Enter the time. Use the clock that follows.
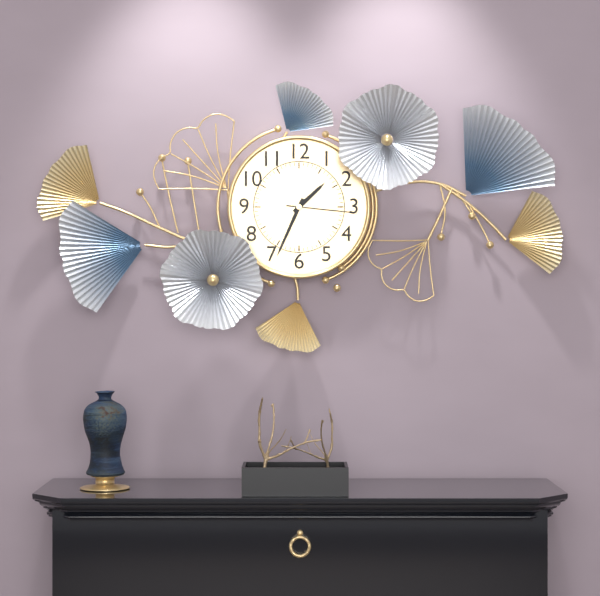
1:34:16
